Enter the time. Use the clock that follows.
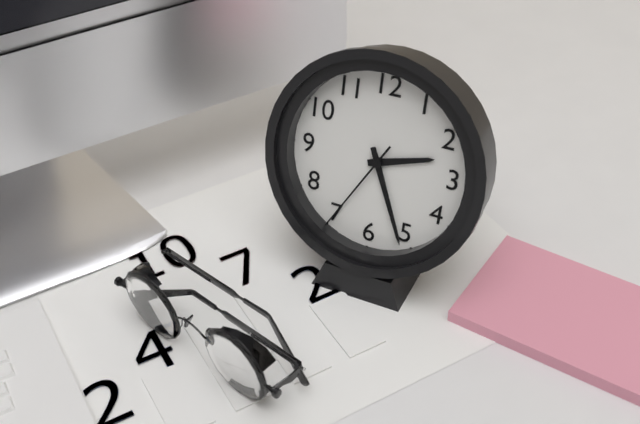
2:26:35
